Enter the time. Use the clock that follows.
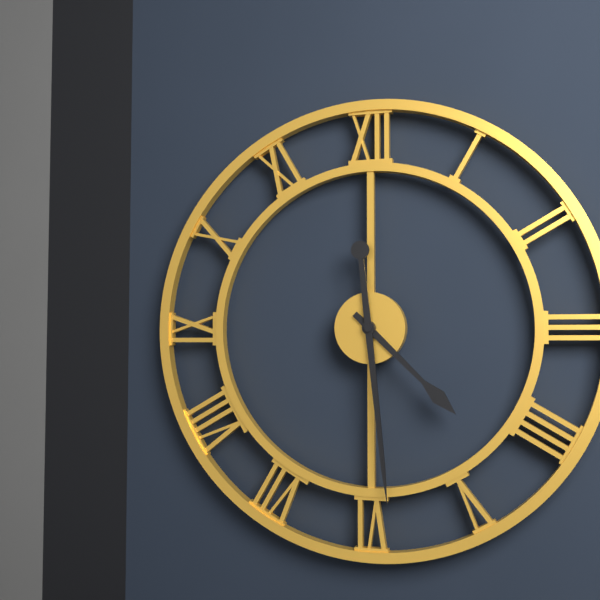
4:29
